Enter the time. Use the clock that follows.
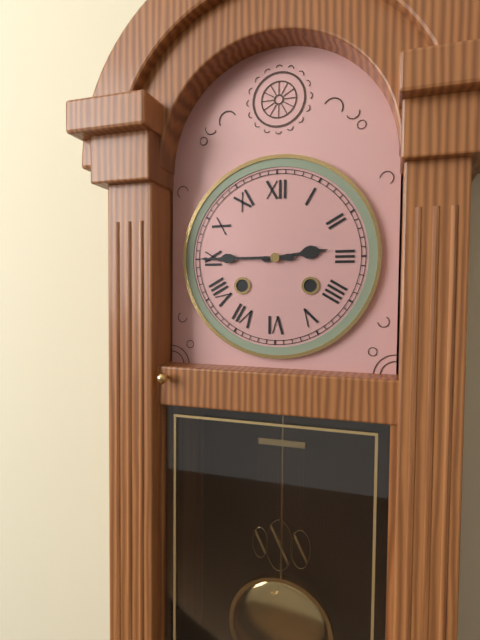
2:45
